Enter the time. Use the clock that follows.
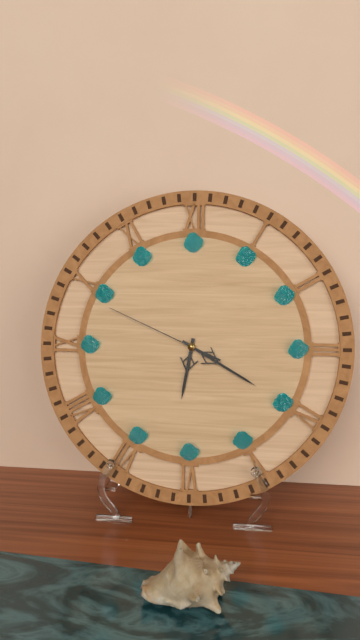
6:20:49
